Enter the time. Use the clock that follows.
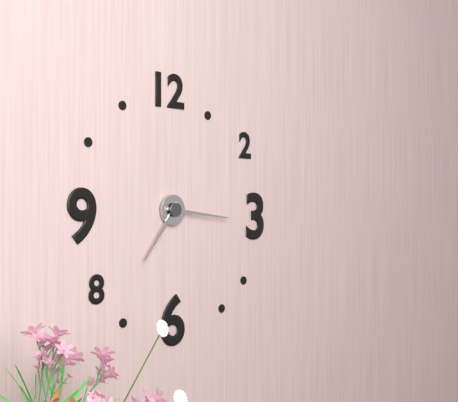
7:16
